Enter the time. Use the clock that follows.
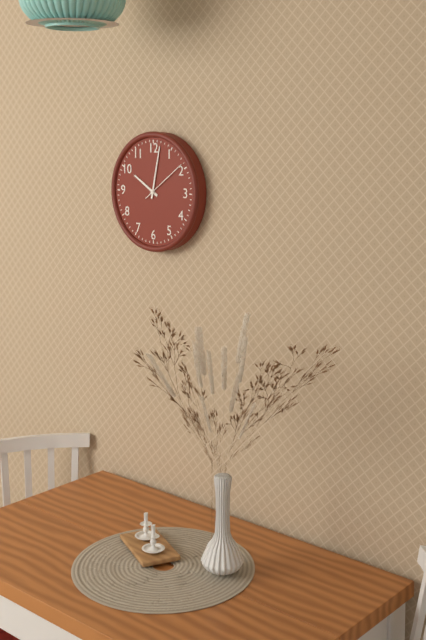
10:02
